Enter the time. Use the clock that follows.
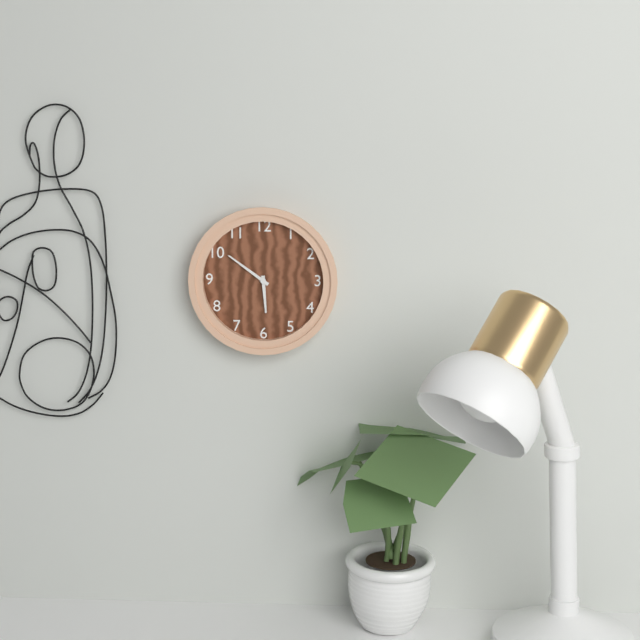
5:51
